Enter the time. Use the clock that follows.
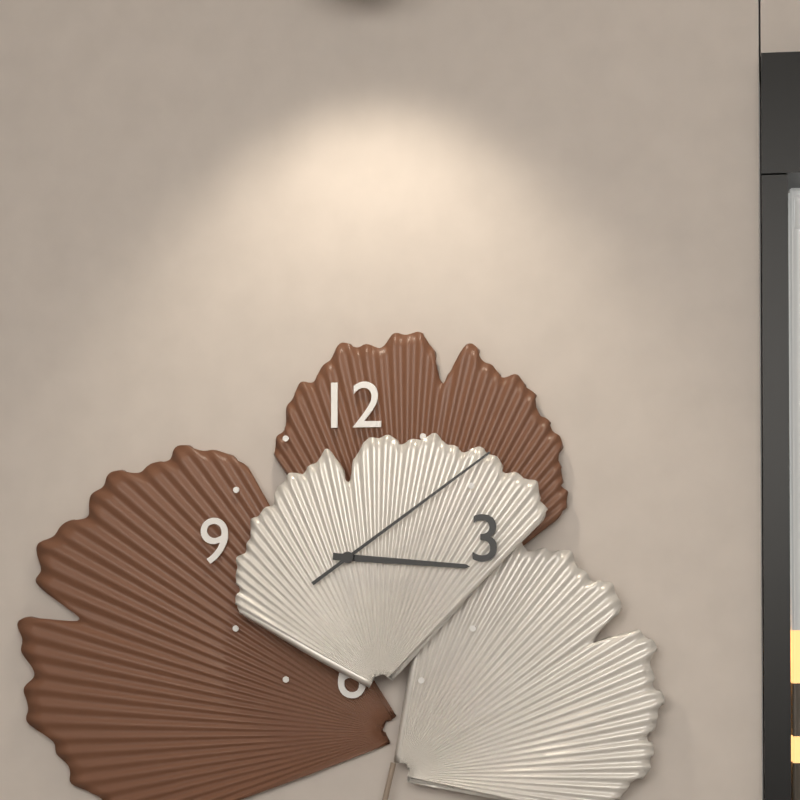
3:09
